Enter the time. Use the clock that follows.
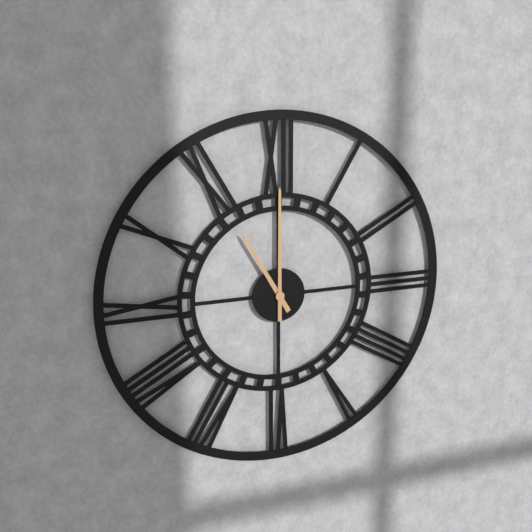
11:00
